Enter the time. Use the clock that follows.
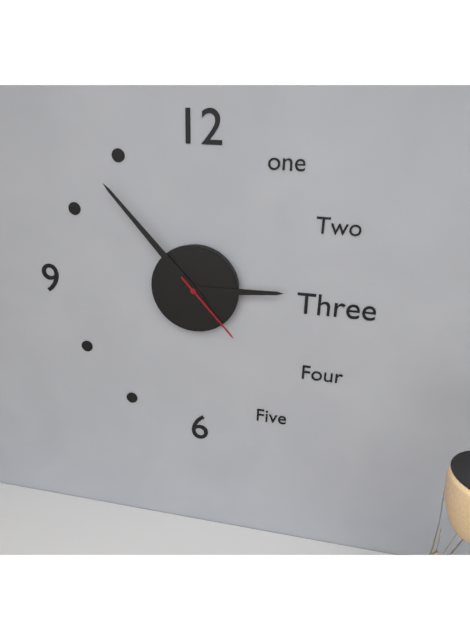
2:53:23
